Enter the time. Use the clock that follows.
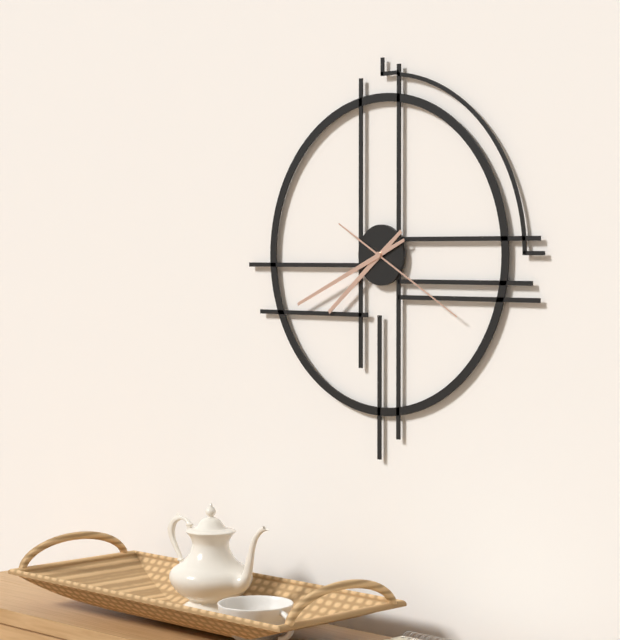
7:41:20
